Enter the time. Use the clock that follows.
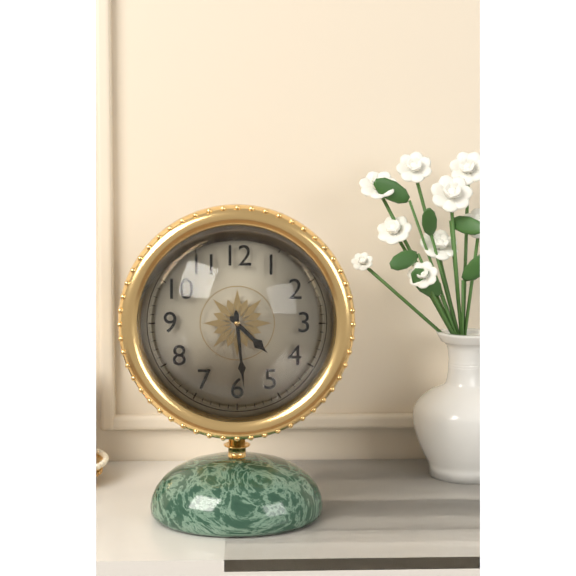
4:29
